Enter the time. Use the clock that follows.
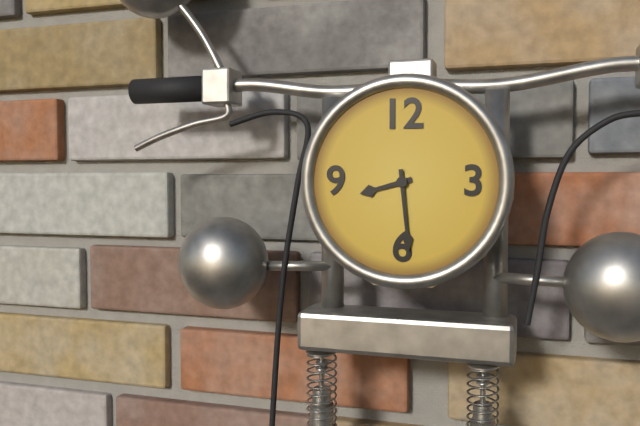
8:29
